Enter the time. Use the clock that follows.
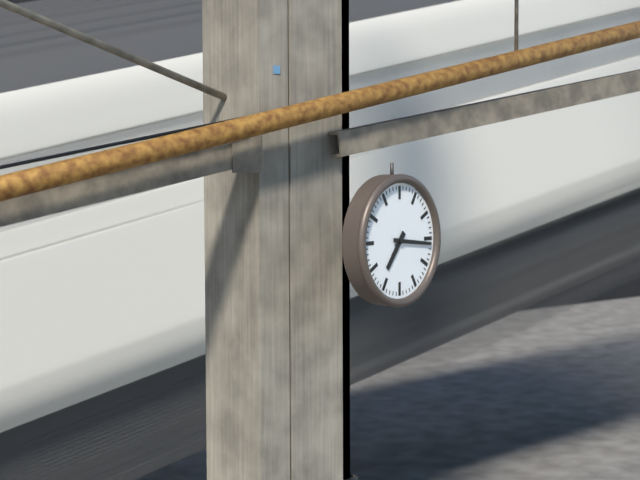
7:16
